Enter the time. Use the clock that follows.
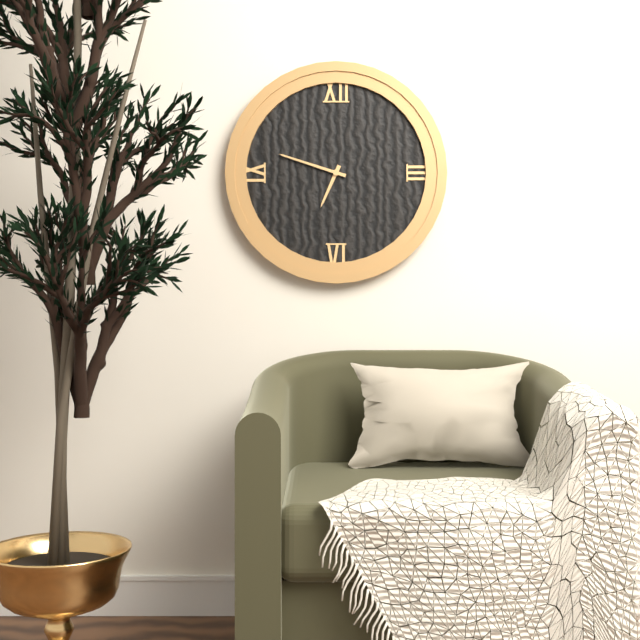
6:48
